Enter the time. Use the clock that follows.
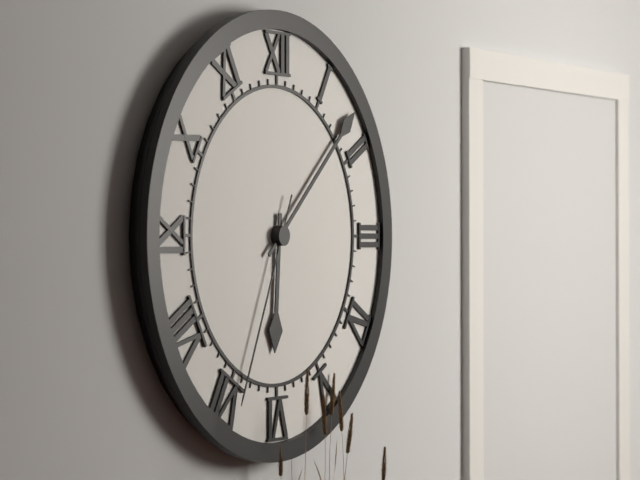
6:08:34
